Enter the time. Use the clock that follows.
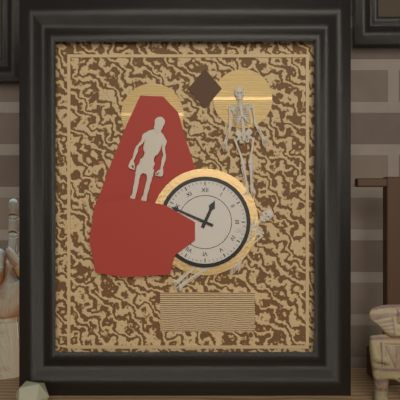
12:49
